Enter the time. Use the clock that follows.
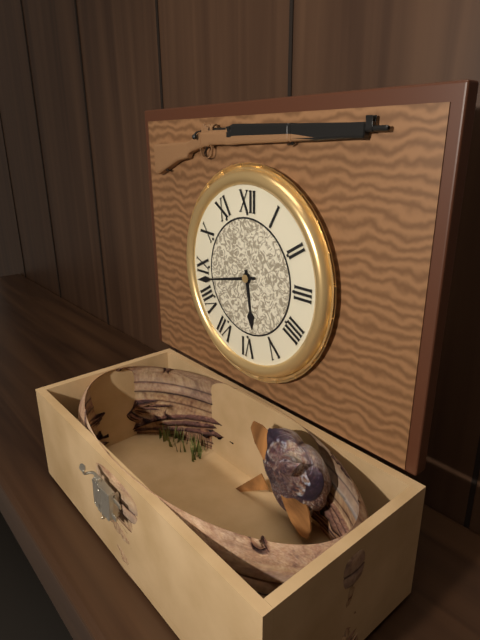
5:43
